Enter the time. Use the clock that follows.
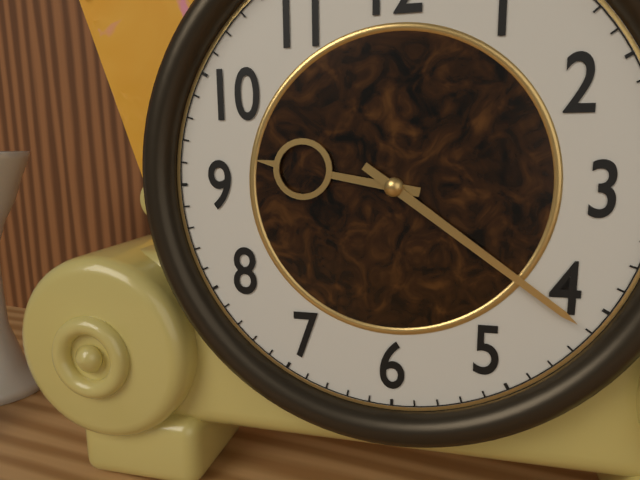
9:21
